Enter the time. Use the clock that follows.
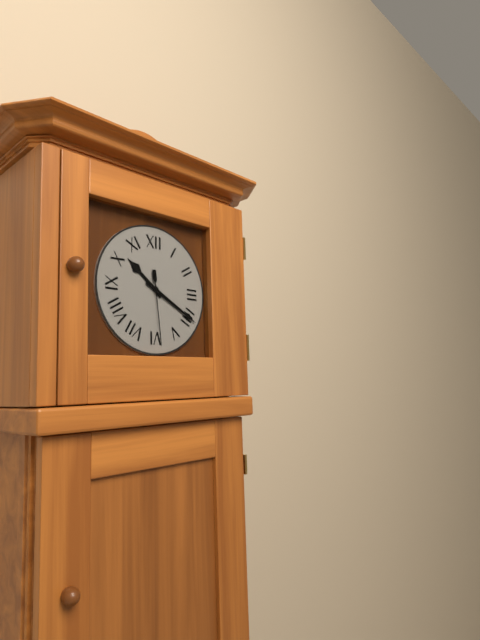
10:20:29
